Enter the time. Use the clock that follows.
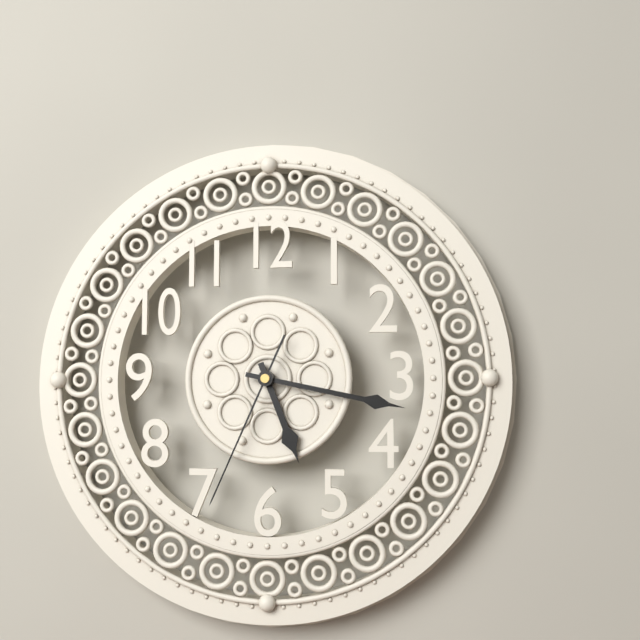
5:17:34
